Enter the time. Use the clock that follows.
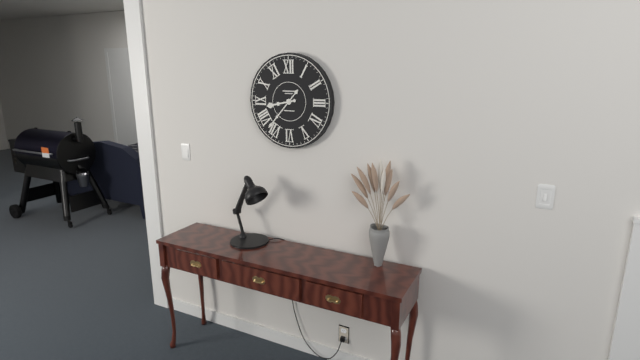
8:37
